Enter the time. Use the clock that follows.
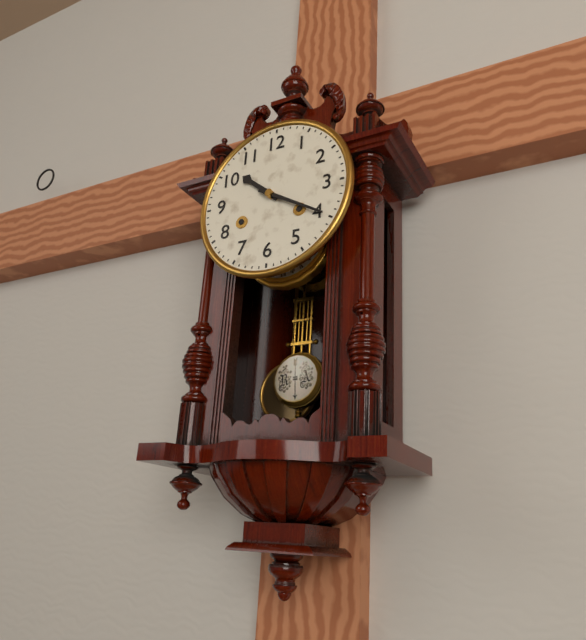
10:20
